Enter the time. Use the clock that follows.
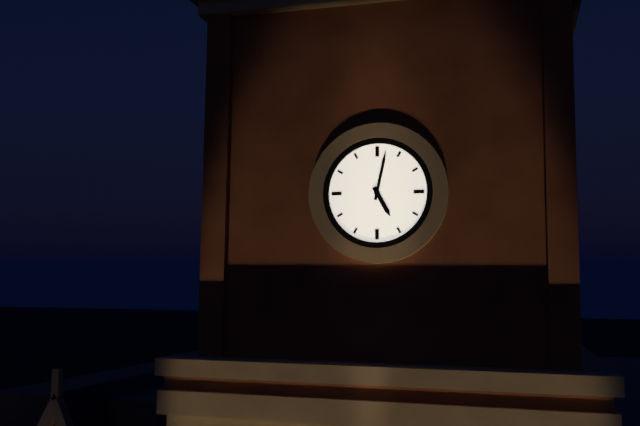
5:02
